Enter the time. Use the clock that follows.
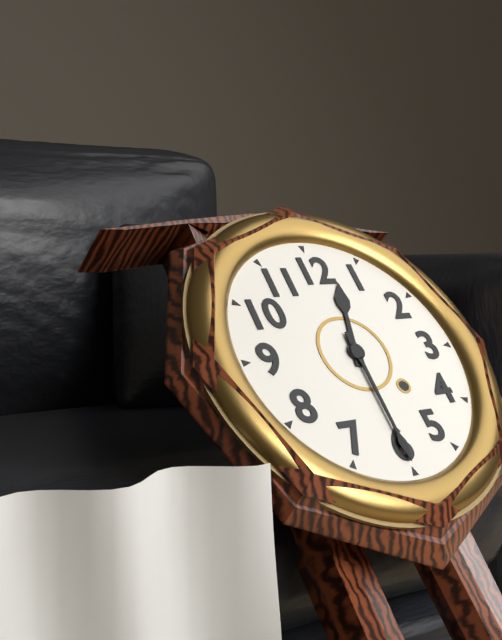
12:30
